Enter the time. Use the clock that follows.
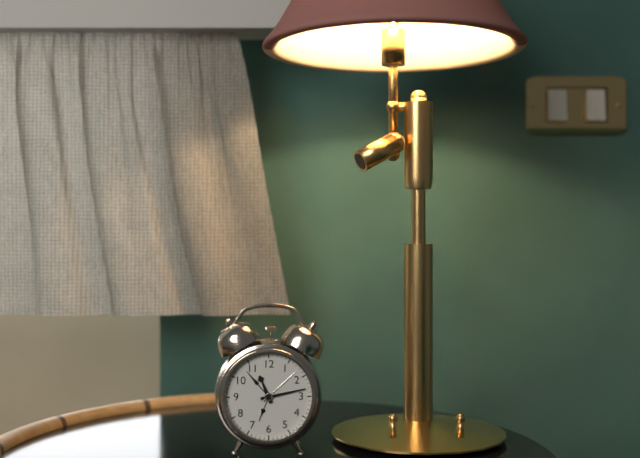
11:13
